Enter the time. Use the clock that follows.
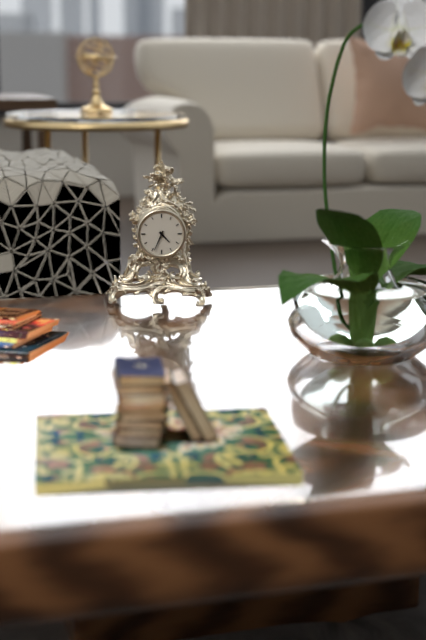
4:34
